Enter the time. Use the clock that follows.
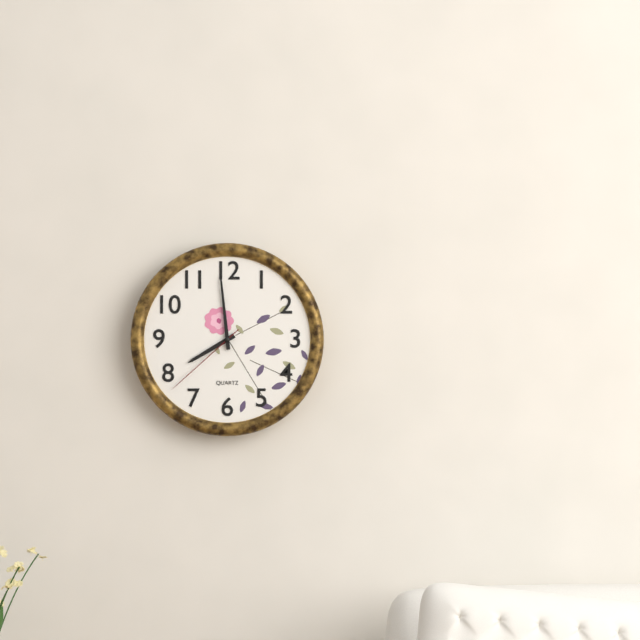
7:59:38
